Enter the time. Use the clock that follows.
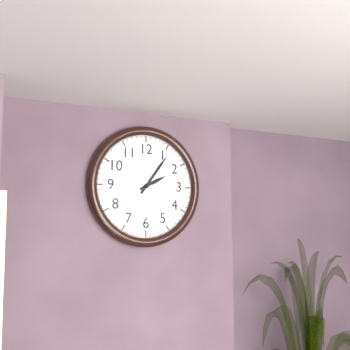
2:06
